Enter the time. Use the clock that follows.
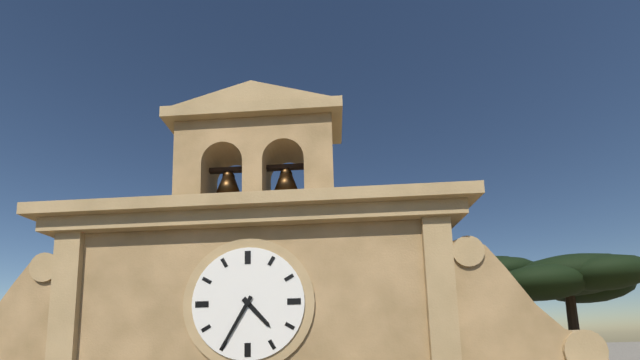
4:35
